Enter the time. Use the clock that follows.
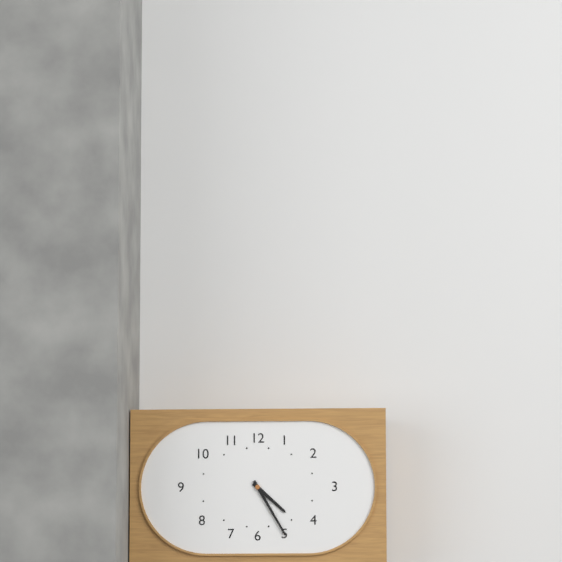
4:25
